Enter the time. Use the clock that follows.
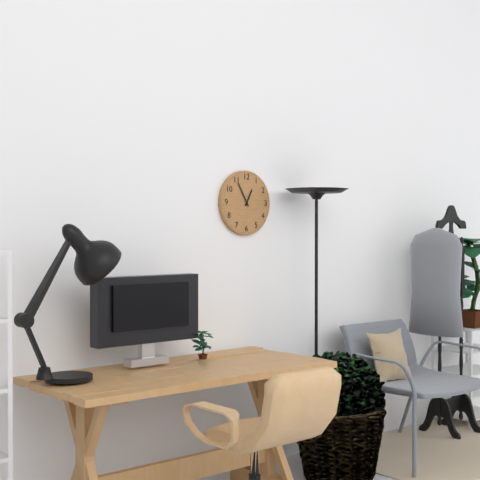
12:55
